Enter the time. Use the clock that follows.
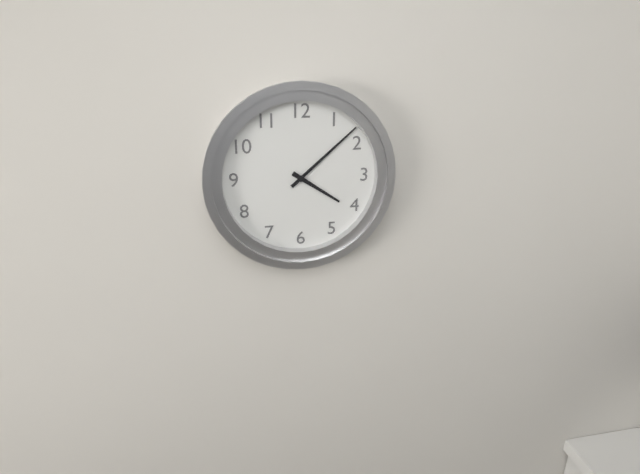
4:08
